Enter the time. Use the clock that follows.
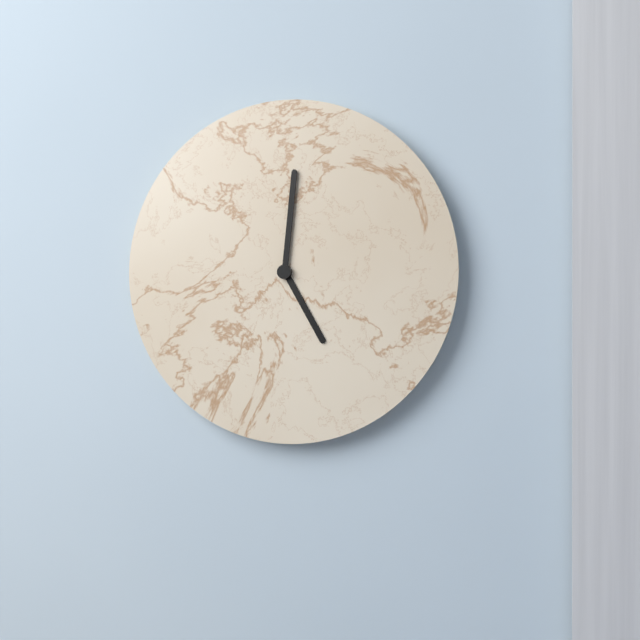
5:01
